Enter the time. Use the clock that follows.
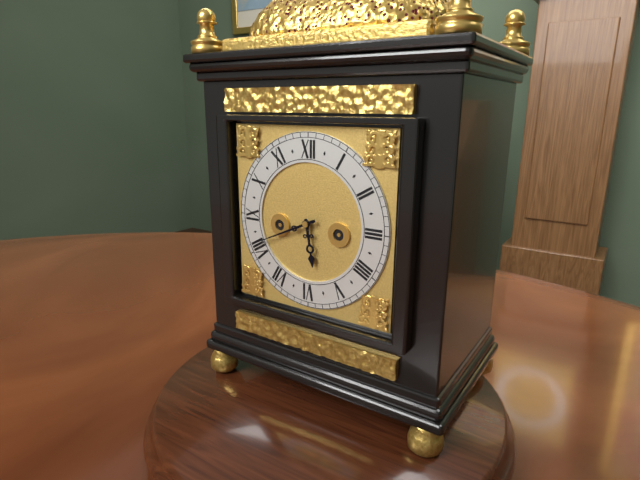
5:41
